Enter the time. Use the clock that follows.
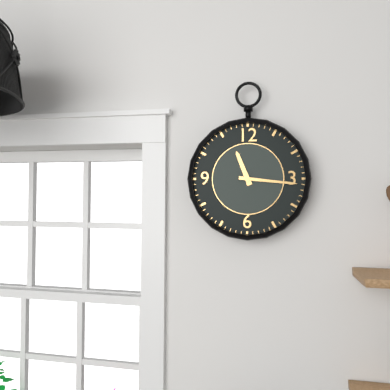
11:16
